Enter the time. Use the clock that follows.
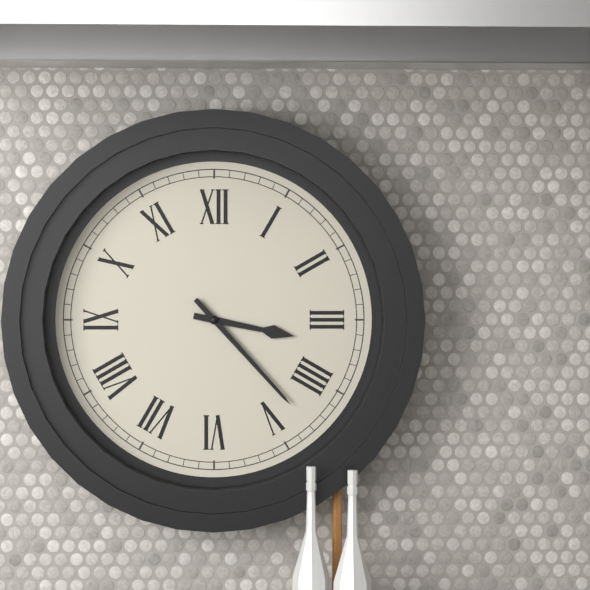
3:23
